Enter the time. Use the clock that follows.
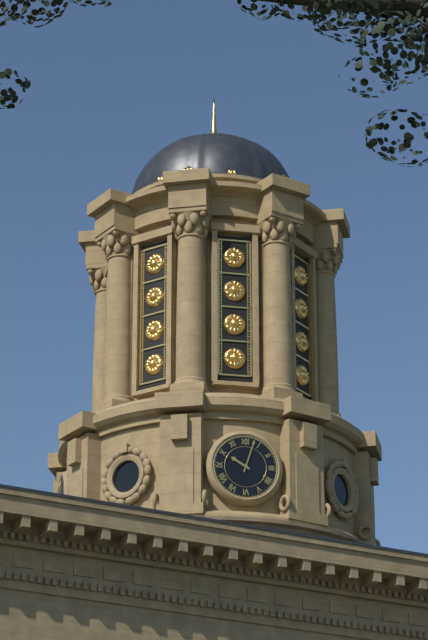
10:03
